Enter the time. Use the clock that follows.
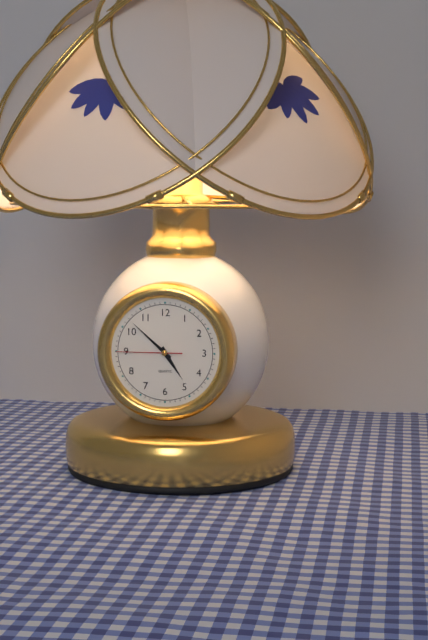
4:52:45
